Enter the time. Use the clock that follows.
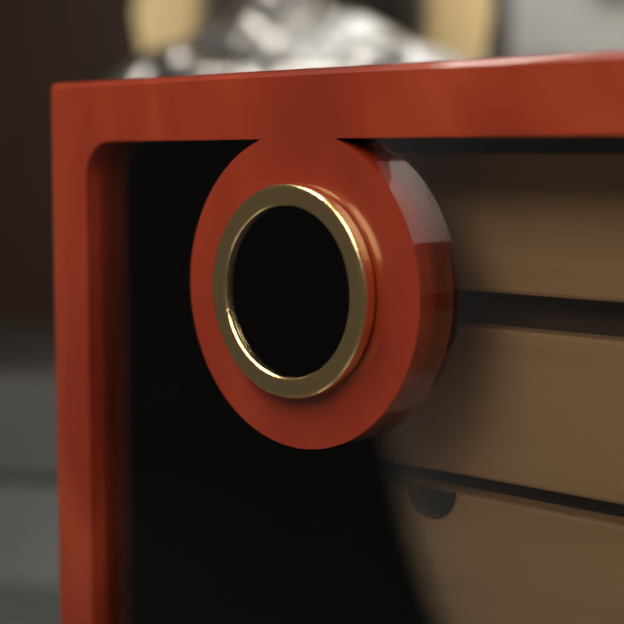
7:31
